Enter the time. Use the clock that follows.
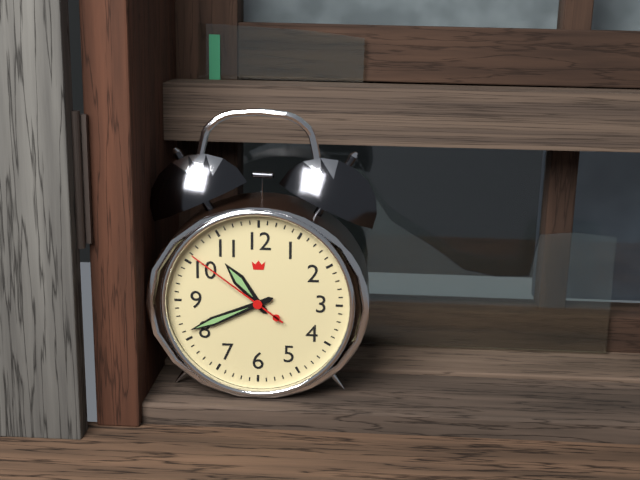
10:41:51
